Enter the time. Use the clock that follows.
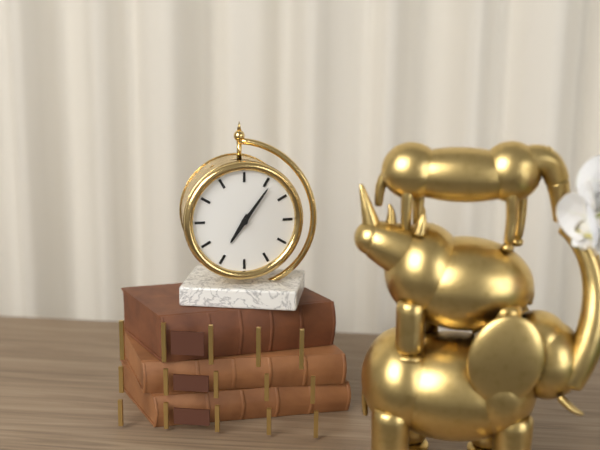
7:06
